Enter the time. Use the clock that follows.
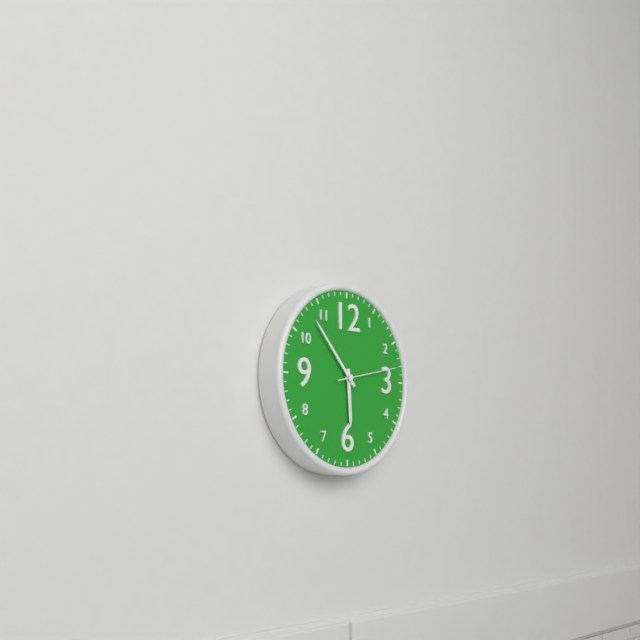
5:53:13
